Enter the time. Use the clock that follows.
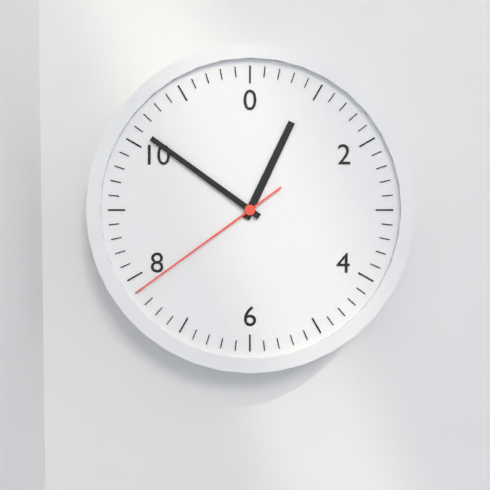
12:51:39
